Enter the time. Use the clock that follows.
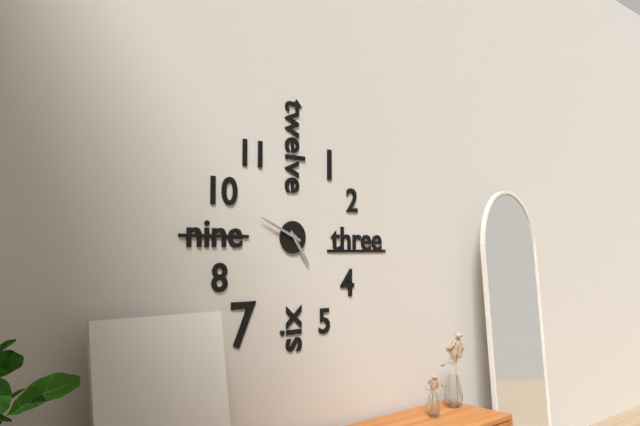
4:49
